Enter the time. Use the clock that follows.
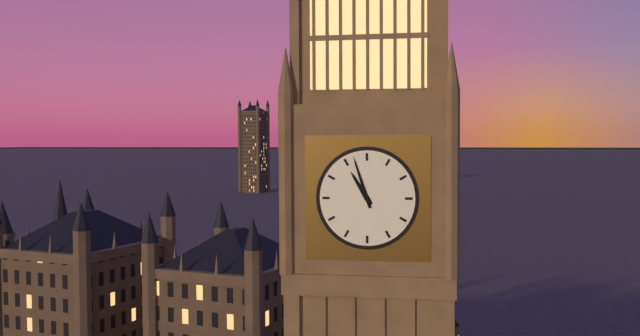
10:57
